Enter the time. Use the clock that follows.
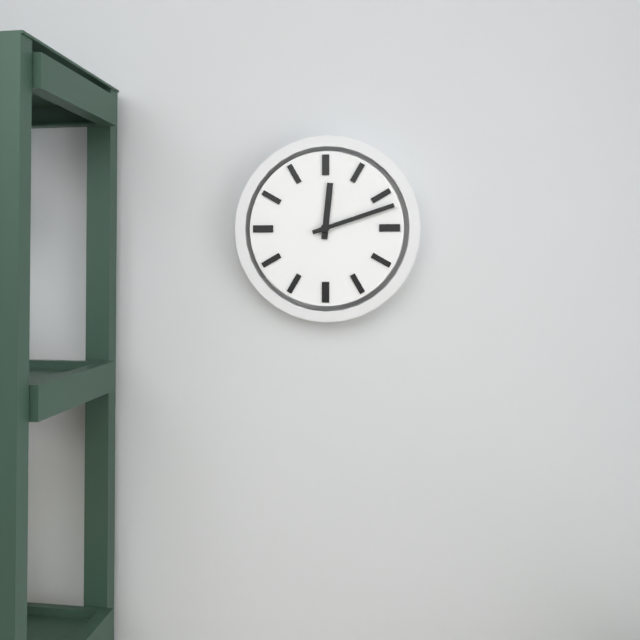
12:12
